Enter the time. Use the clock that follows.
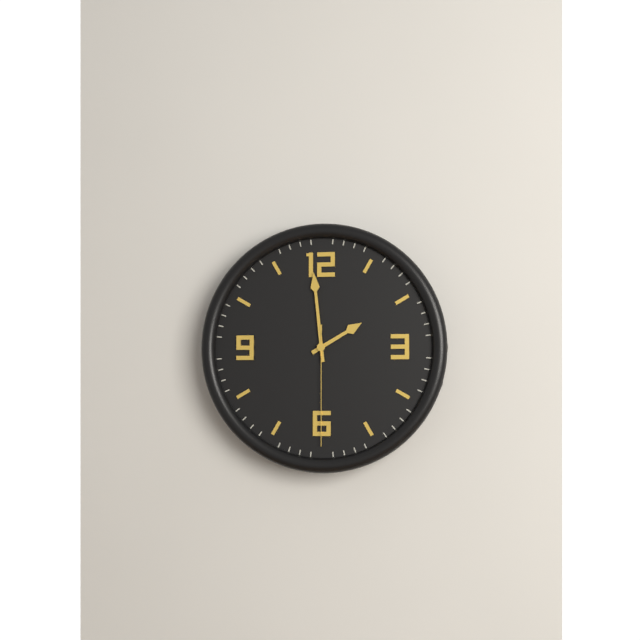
1:59:30
